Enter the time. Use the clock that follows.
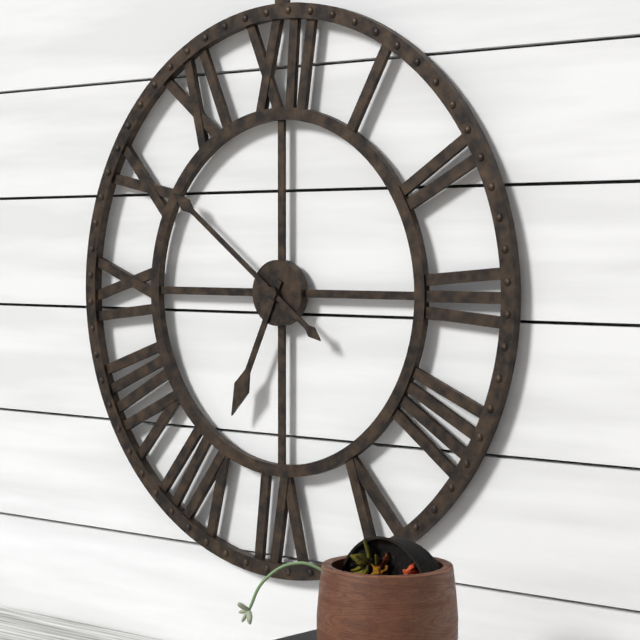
6:51
